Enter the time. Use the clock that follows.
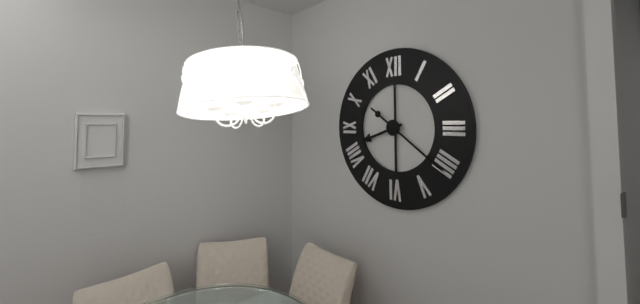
8:21
